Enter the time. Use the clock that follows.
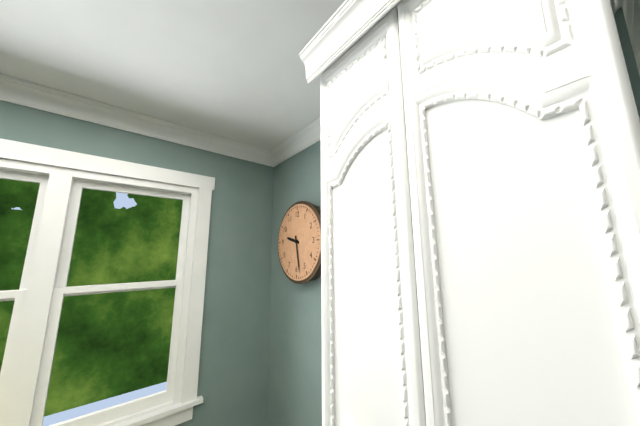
9:28
